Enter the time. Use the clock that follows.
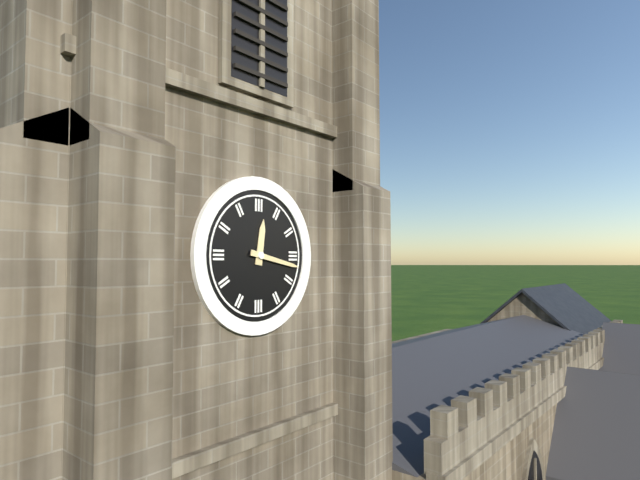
12:17
